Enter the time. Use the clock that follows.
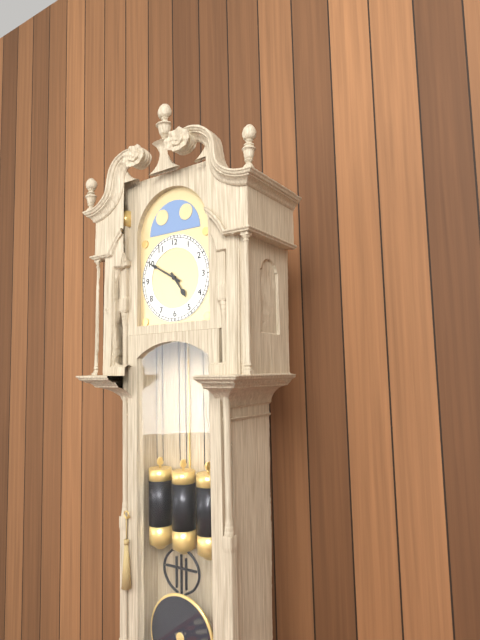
4:50
